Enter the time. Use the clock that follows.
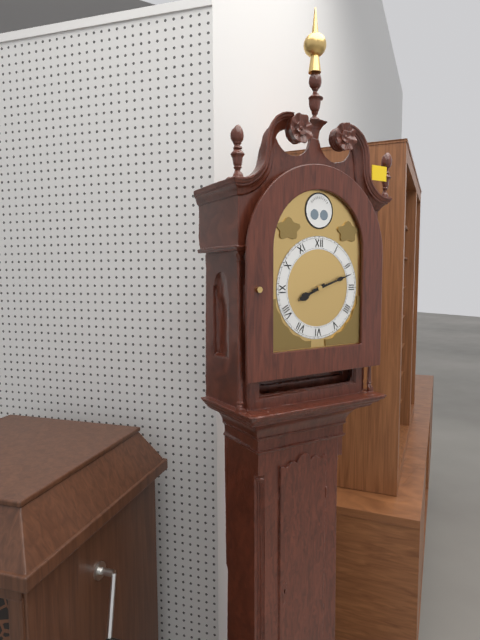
8:12
